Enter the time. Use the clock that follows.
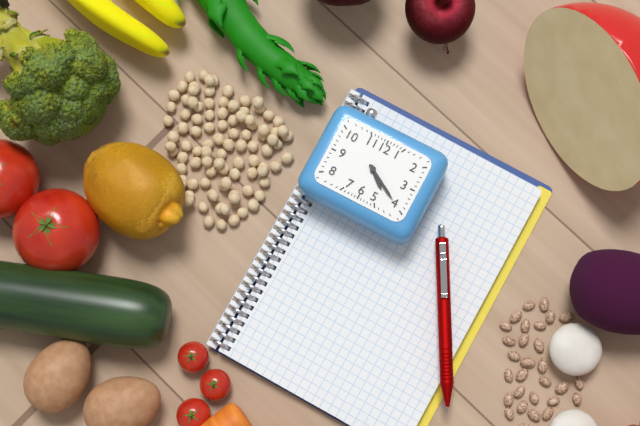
4:20
